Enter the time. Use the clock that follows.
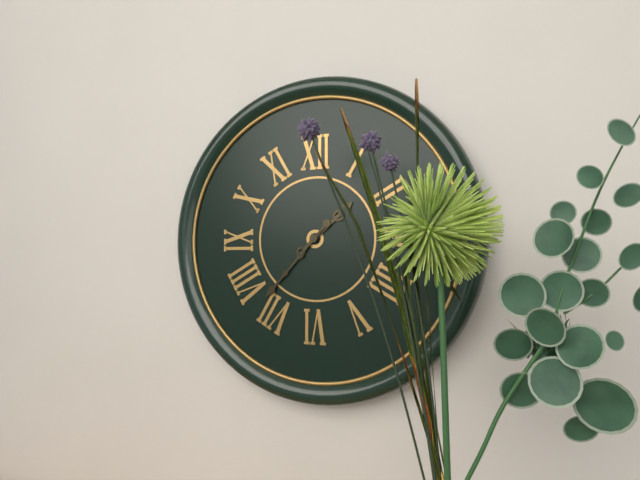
1:37
